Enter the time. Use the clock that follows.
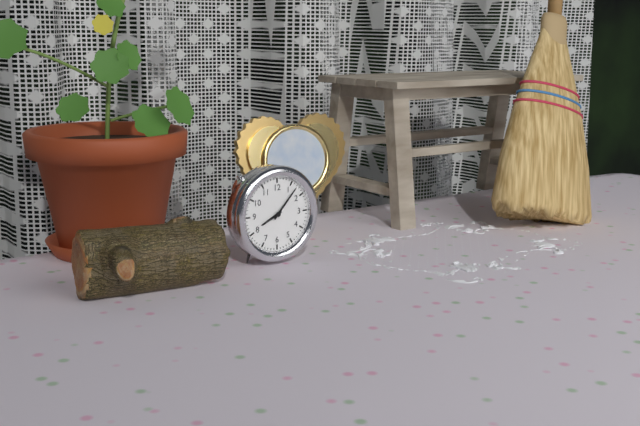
8:07
